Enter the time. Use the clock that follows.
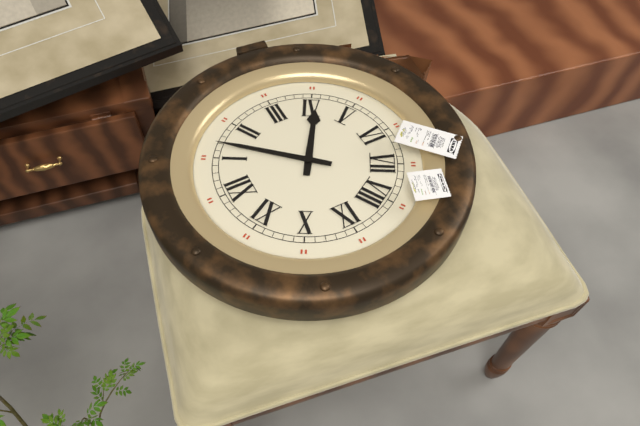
4:07
